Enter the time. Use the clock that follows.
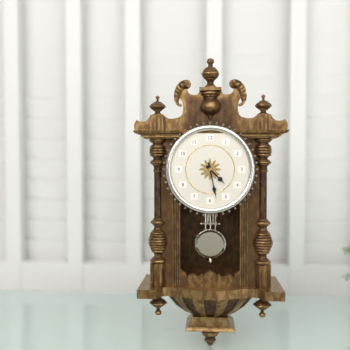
4:28
